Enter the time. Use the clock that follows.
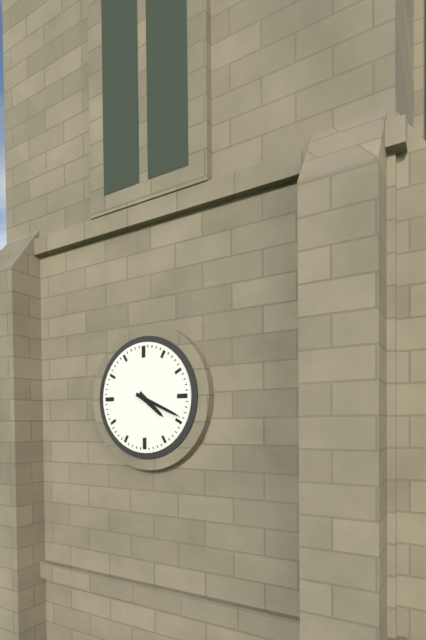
4:19
